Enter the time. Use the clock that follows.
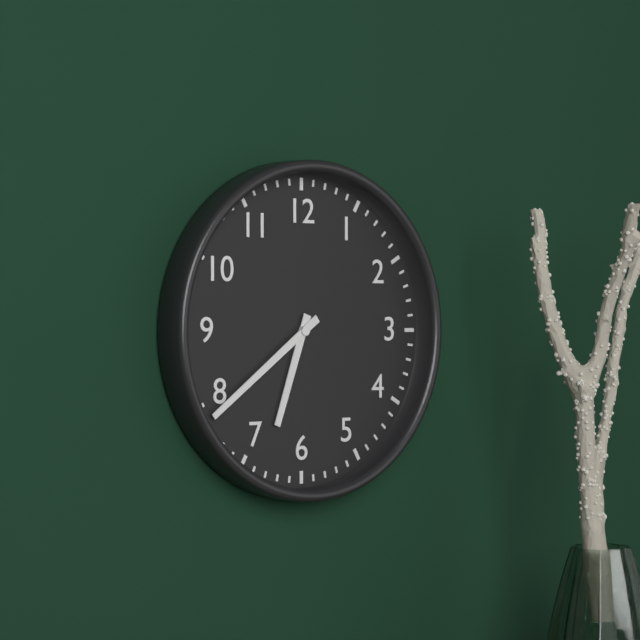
6:39
